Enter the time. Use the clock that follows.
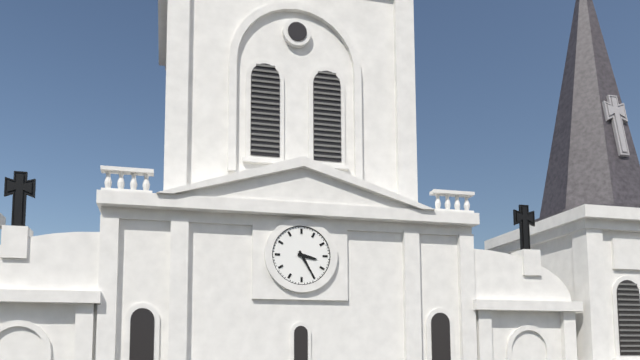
3:25
